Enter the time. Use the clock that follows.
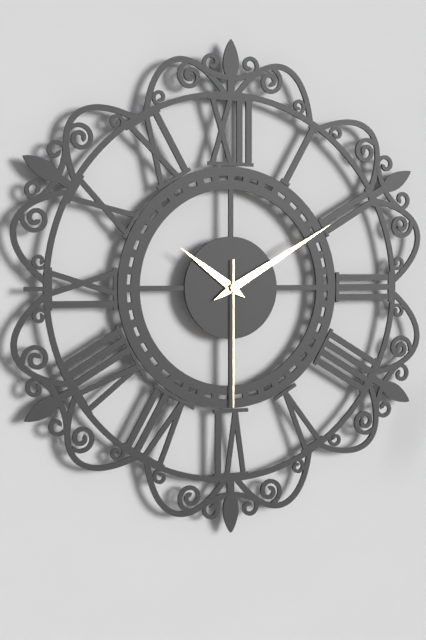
10:10:30
